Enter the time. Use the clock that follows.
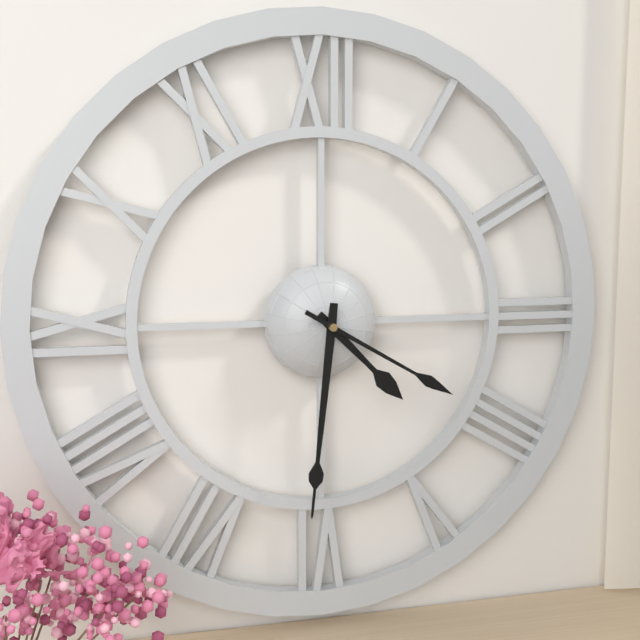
4:31:20
